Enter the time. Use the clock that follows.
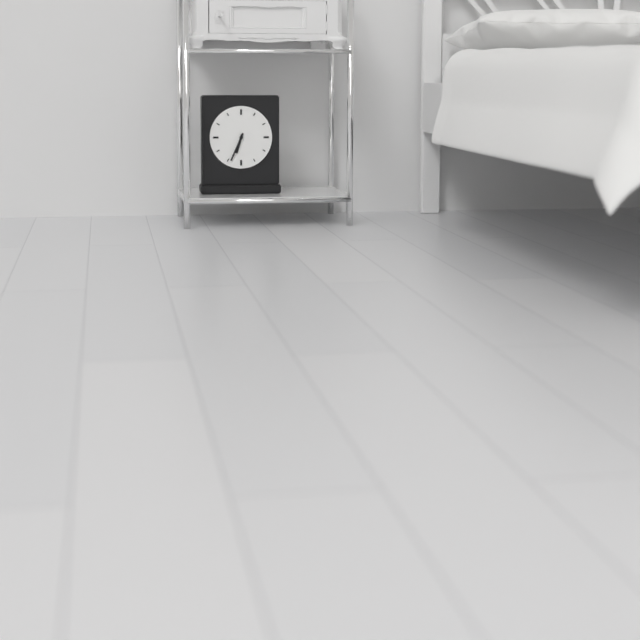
6:34
